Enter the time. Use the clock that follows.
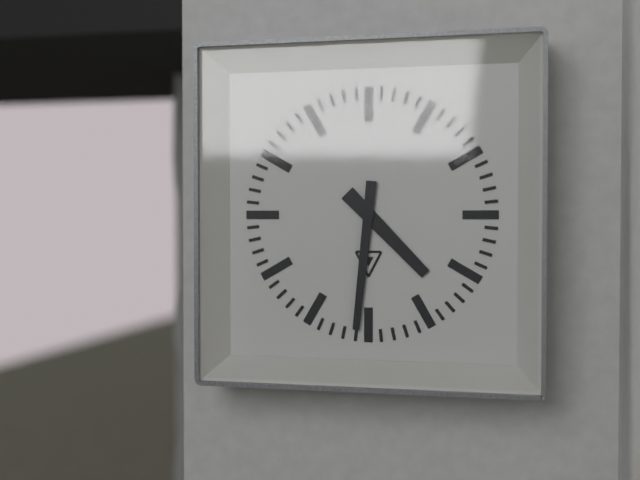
4:31
